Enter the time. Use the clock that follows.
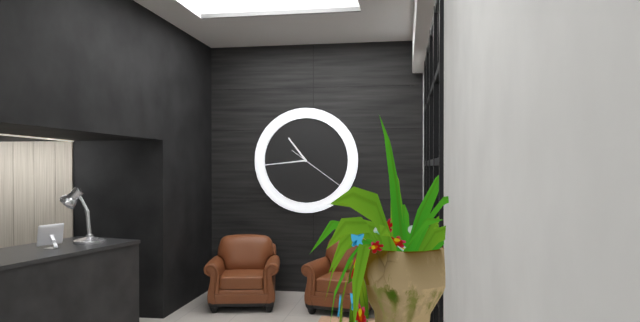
10:44:21
